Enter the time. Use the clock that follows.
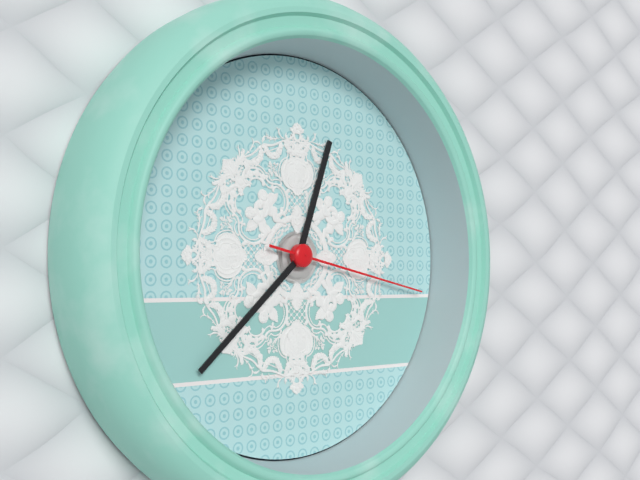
12:38:17
